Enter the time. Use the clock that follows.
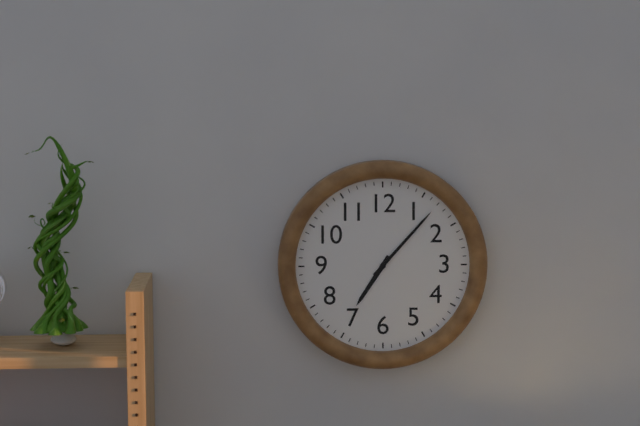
7:07
